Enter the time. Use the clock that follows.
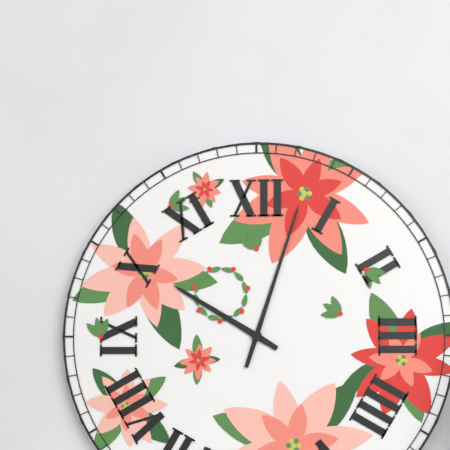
10:03
